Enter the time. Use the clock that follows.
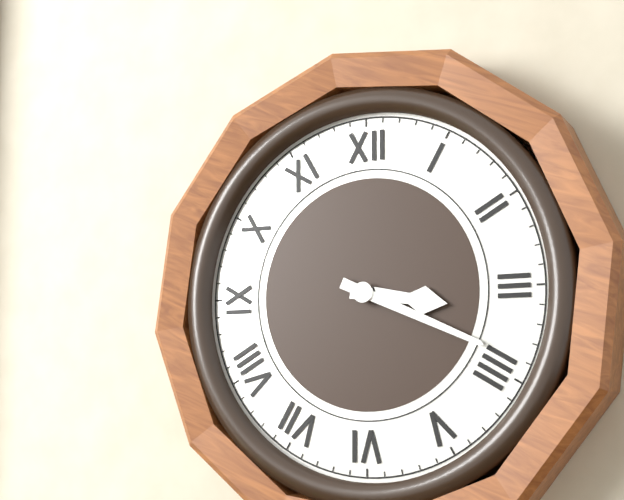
3:19
